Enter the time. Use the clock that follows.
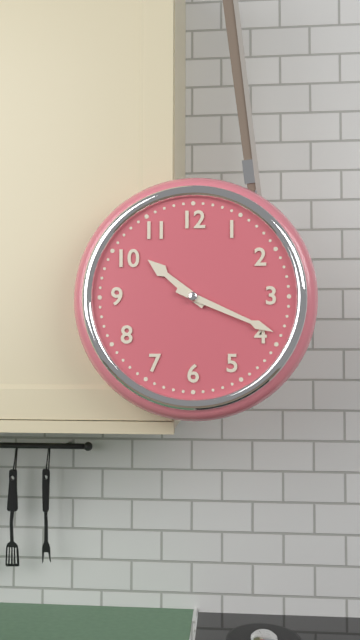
10:19
